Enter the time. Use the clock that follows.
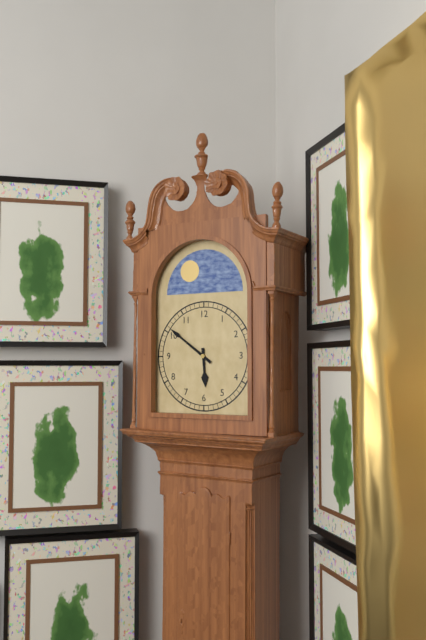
5:51
